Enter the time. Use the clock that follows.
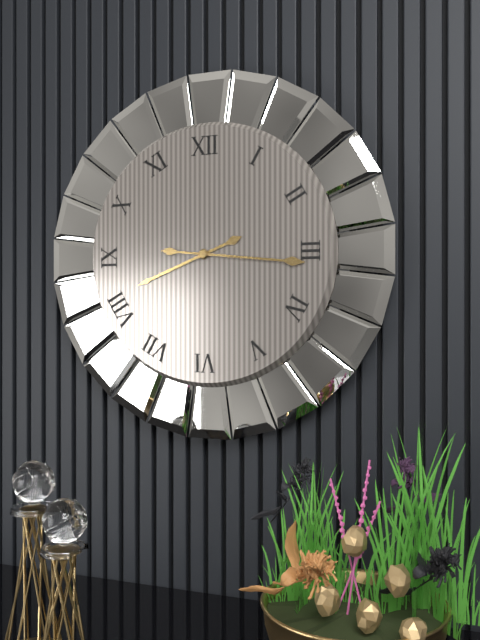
8:16
